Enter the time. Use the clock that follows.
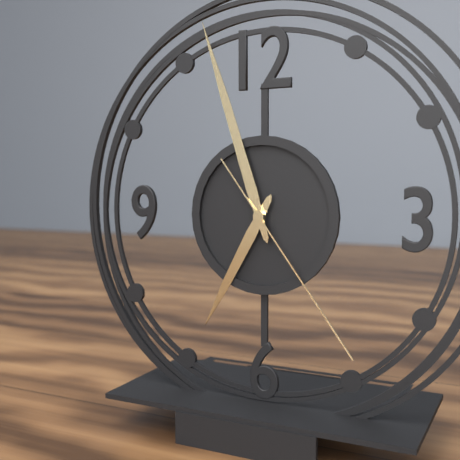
6:57:24
